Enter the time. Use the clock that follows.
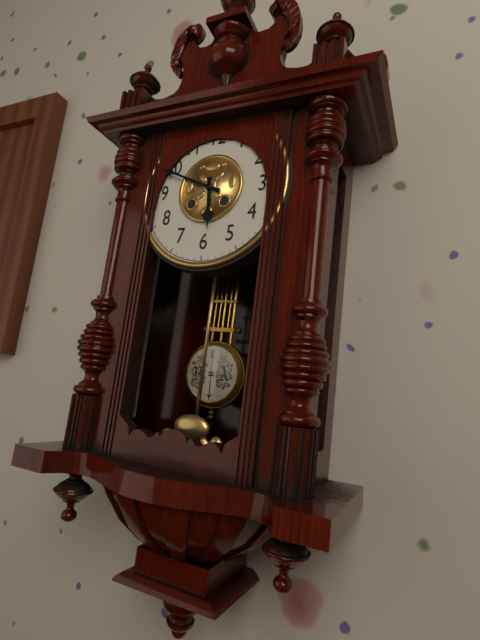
5:49
